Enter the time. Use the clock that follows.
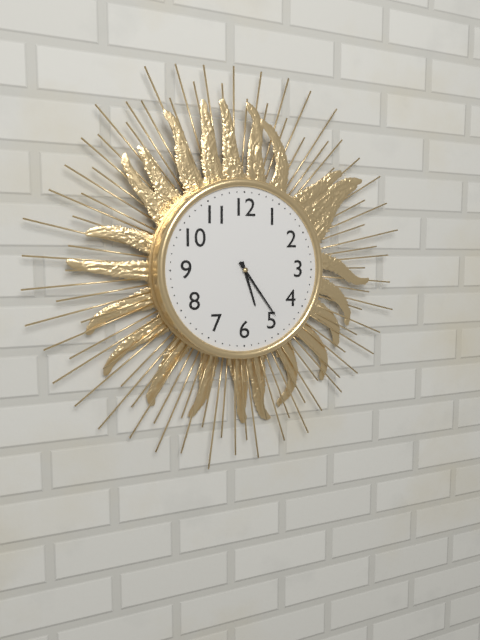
5:24
